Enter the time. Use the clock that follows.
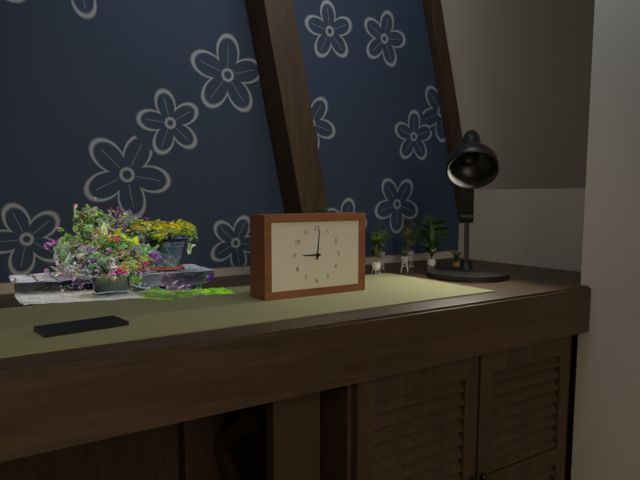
9:01
